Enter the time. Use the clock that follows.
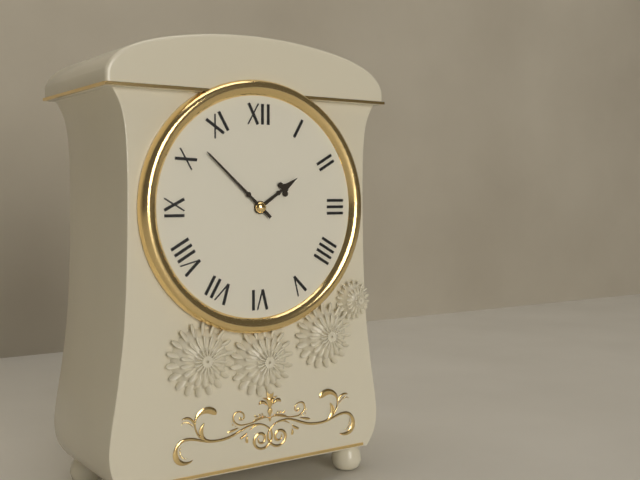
1:52
